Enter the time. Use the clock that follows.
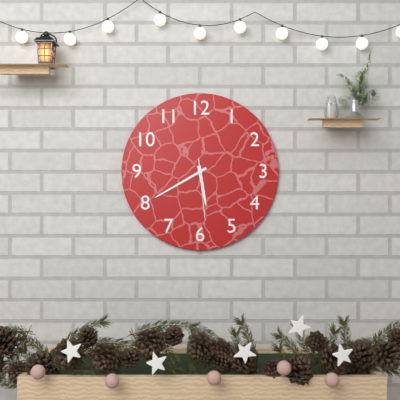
5:40:29
